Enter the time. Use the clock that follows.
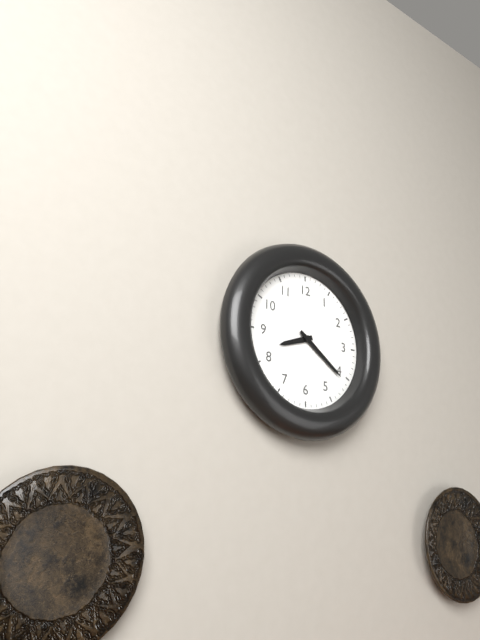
8:21
